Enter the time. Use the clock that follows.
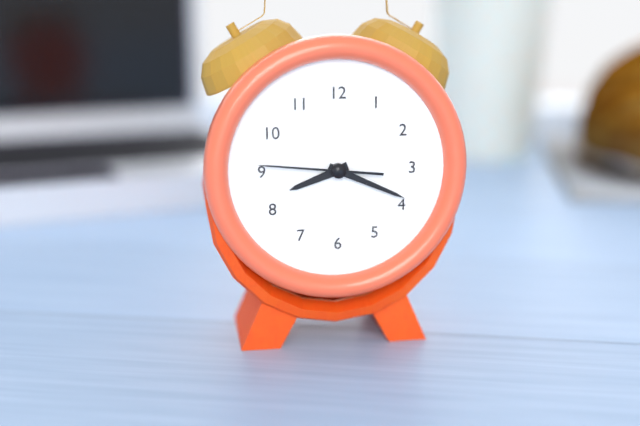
8:19:46
